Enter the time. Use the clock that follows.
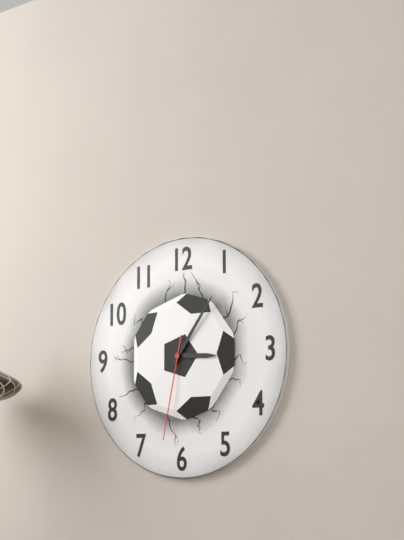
3:06:32
